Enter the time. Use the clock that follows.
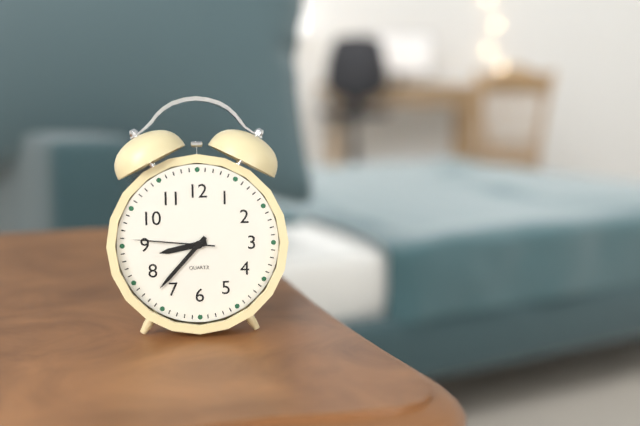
8:37:46
